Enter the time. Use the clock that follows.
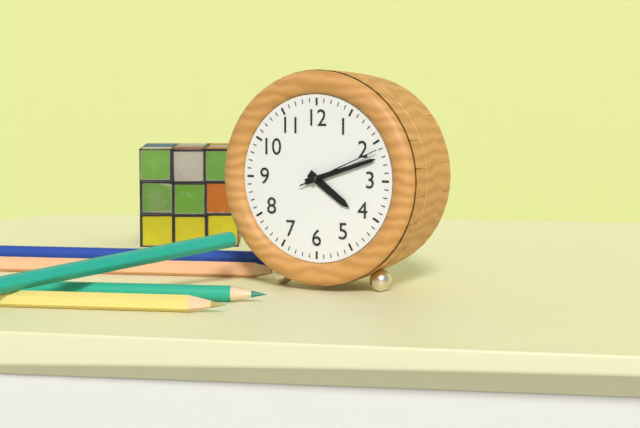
4:12:11
